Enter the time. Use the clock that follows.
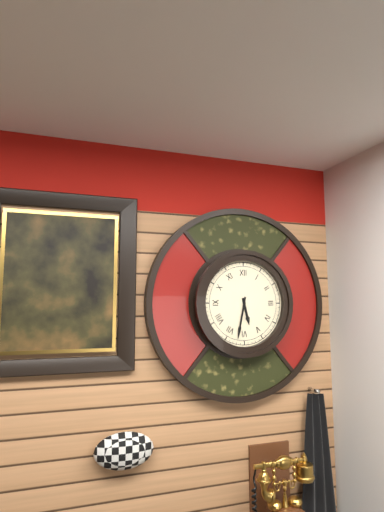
5:32
